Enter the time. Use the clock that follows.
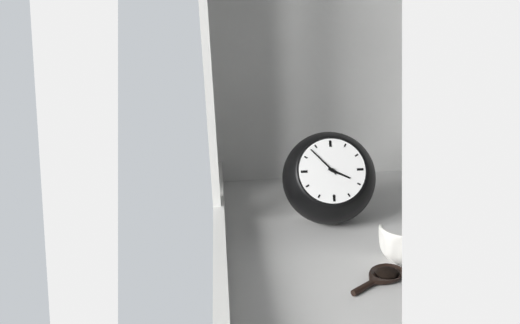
3:53
